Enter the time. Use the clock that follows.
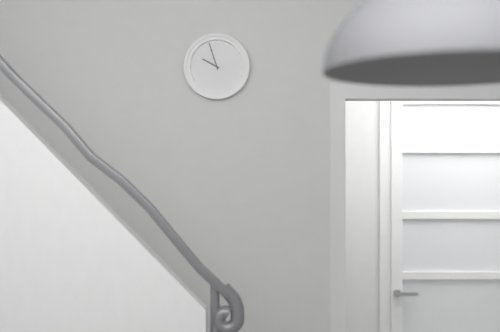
9:57
